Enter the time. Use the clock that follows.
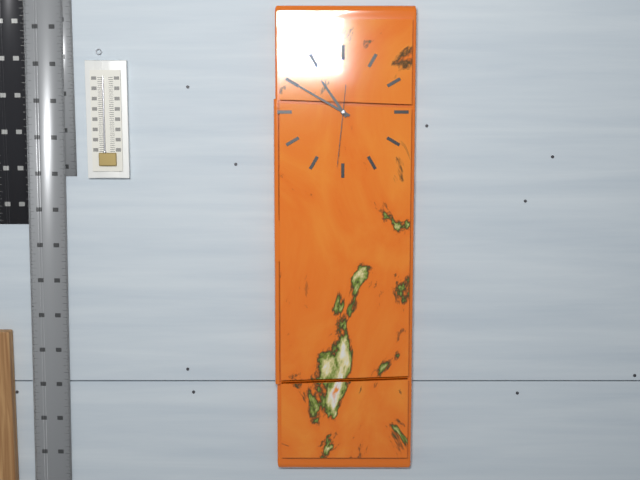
10:50:31
